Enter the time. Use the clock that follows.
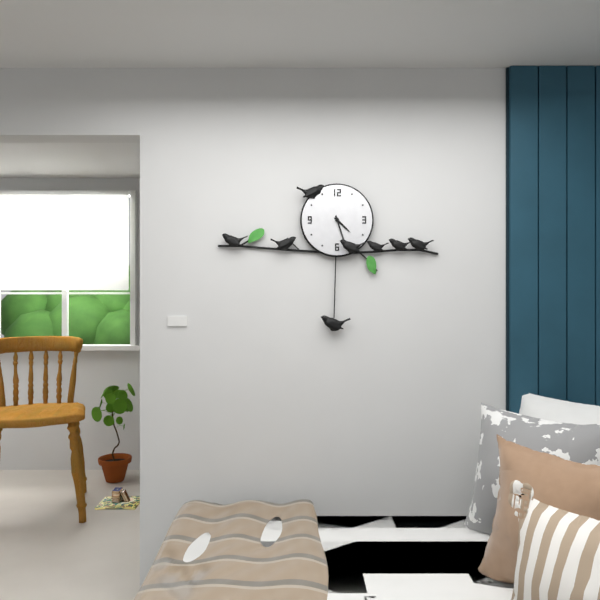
4:27
